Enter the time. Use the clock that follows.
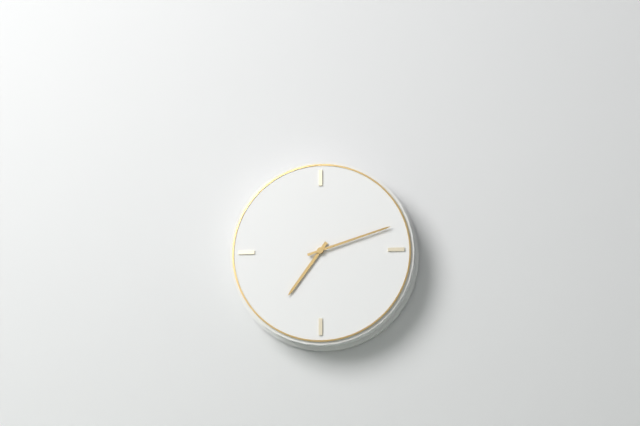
7:12
